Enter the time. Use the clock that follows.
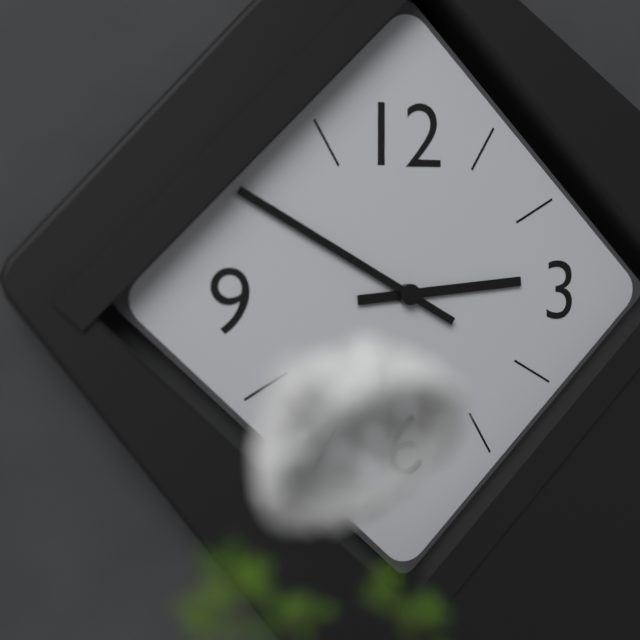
2:50
